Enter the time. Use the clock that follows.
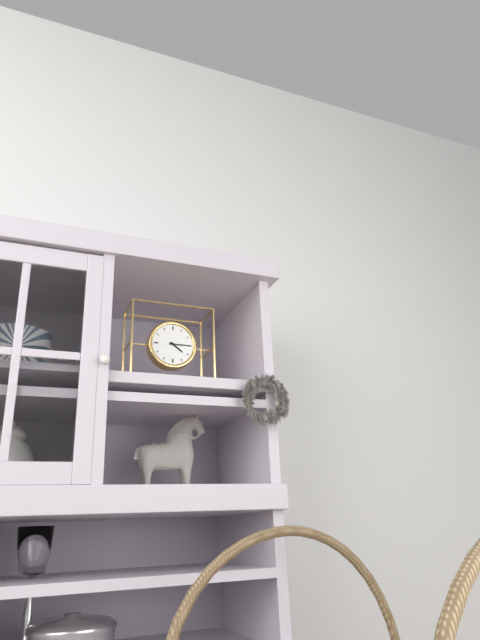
4:15
